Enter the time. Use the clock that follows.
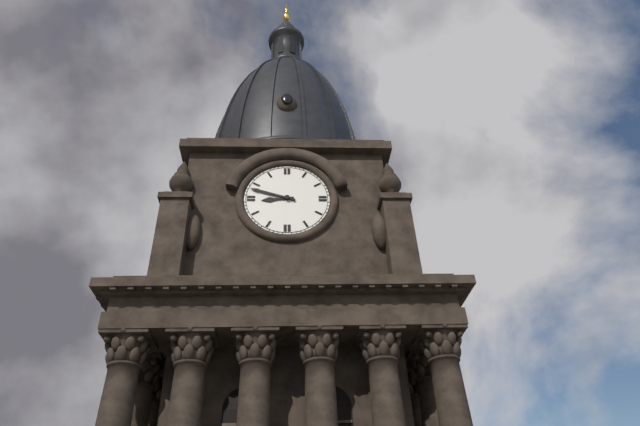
8:48
